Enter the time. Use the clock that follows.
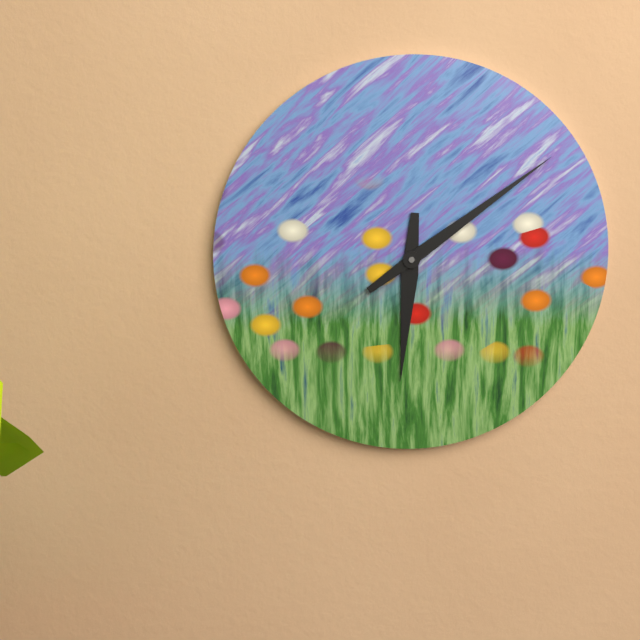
6:09
